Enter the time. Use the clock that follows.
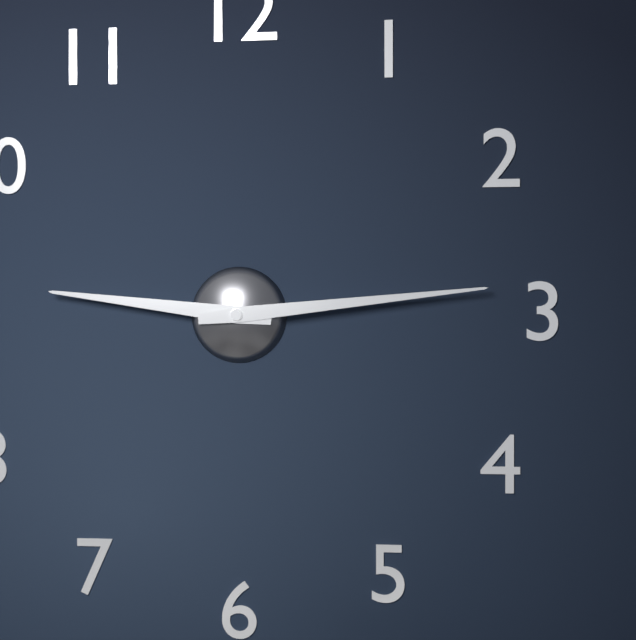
9:14
